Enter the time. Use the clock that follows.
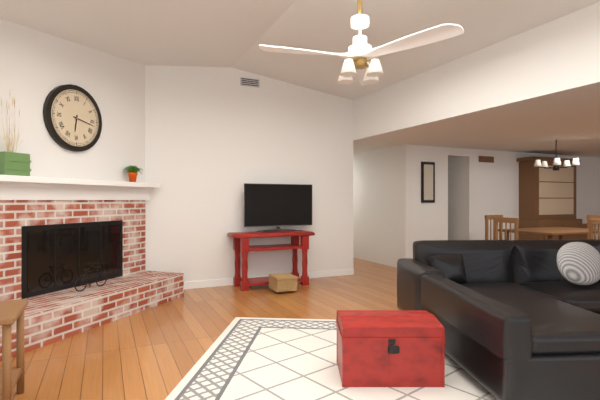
6:17
